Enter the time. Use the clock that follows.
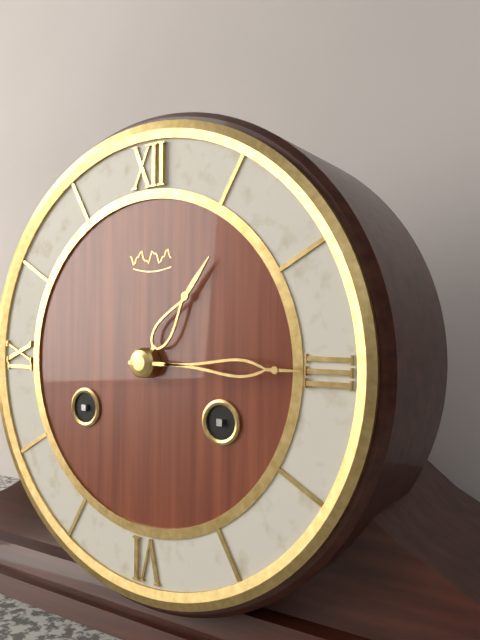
1:15
